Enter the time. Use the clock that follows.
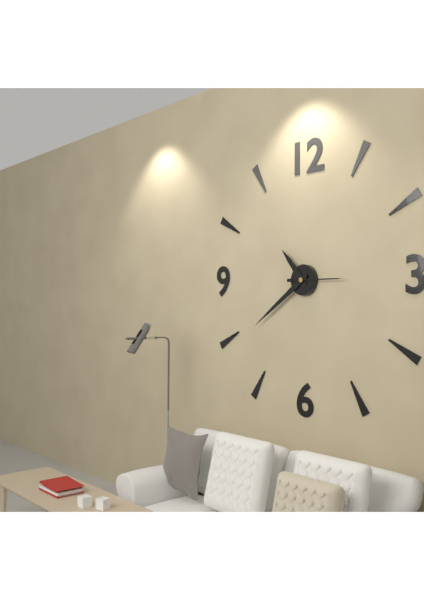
10:39
